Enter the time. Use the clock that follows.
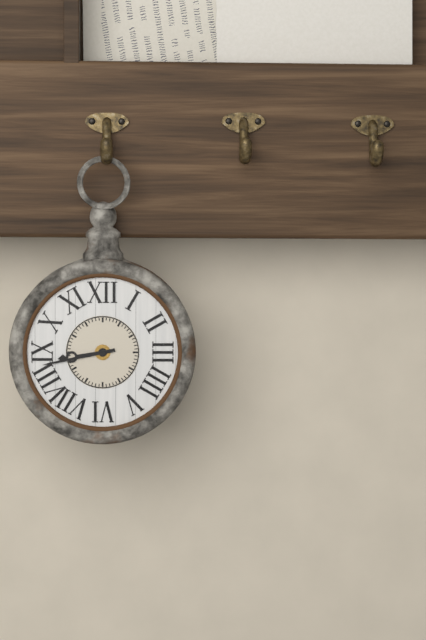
8:43
